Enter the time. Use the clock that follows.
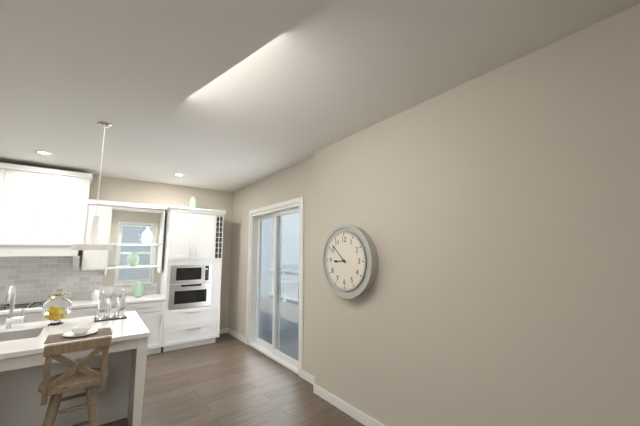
8:52
